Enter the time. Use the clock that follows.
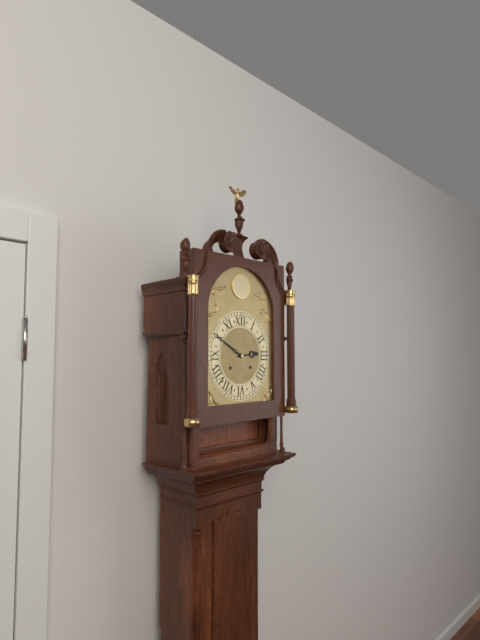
2:50
